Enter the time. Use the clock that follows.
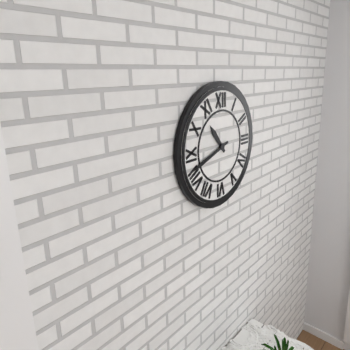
10:42
